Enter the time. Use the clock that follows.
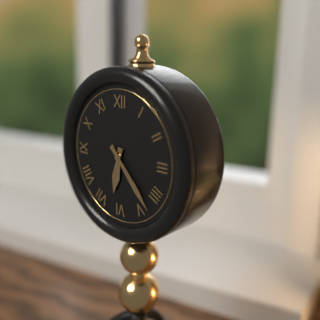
6:23
